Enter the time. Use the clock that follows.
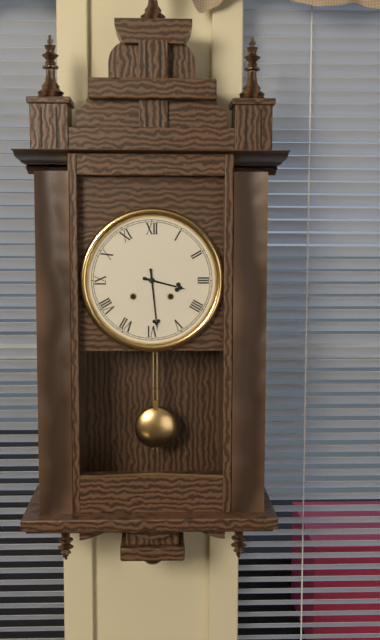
3:29
